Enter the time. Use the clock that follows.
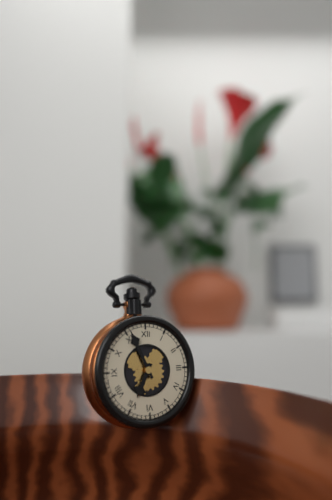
6:56
